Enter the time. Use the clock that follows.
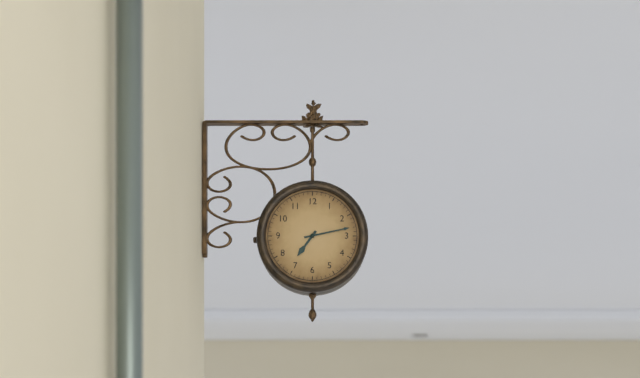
7:13
